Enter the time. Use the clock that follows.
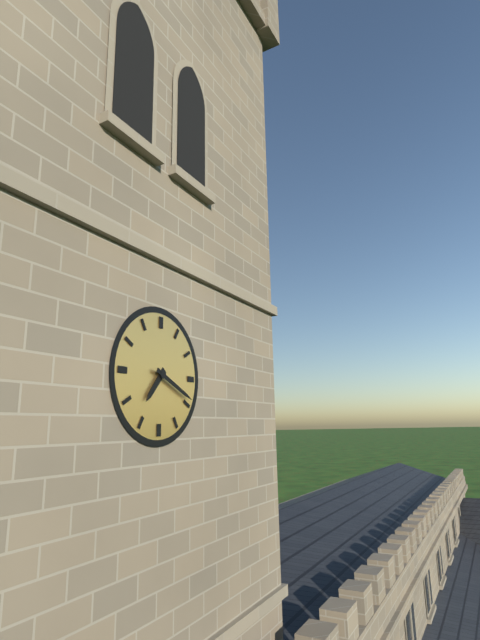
7:19
